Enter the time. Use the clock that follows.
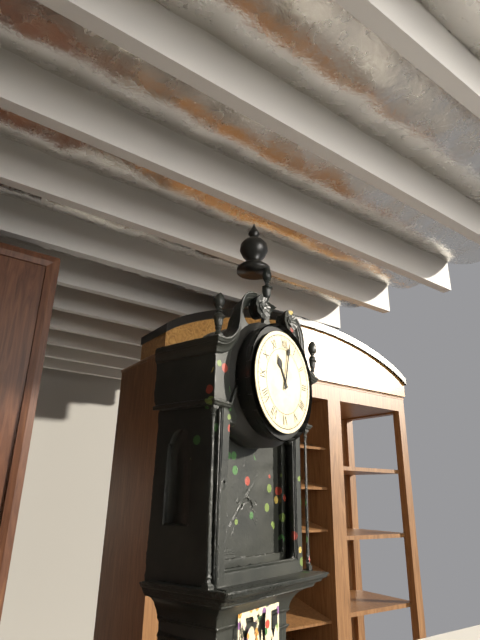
11:02
